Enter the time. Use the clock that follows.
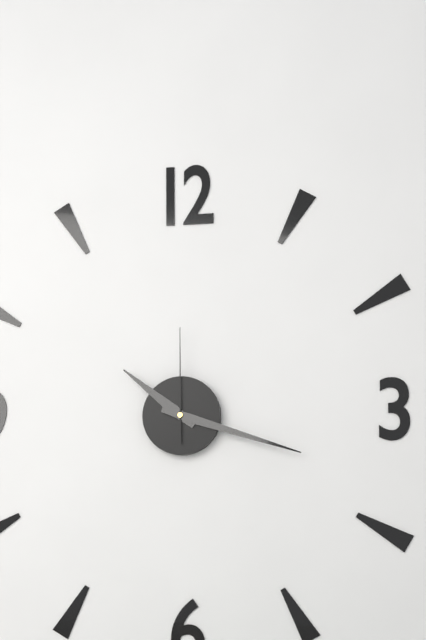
10:18:00
